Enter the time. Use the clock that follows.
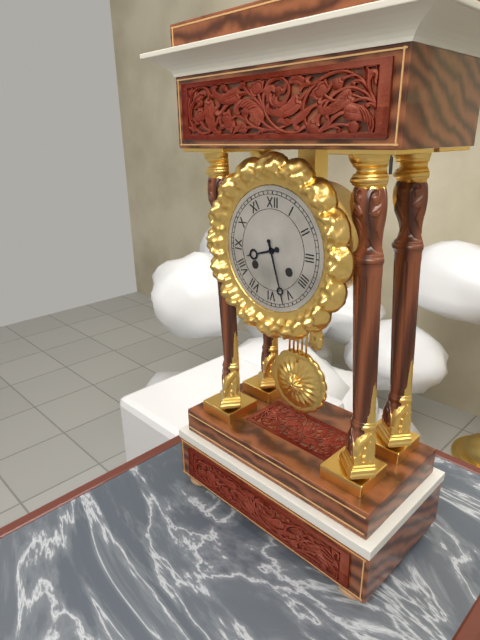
8:27
